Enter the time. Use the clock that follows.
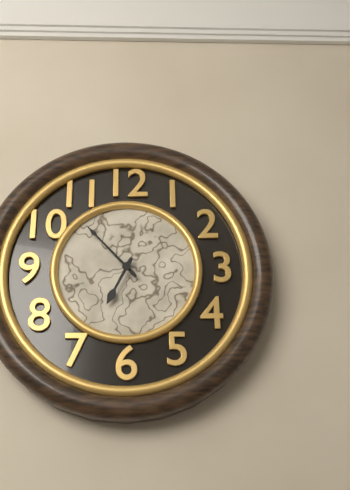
6:53
